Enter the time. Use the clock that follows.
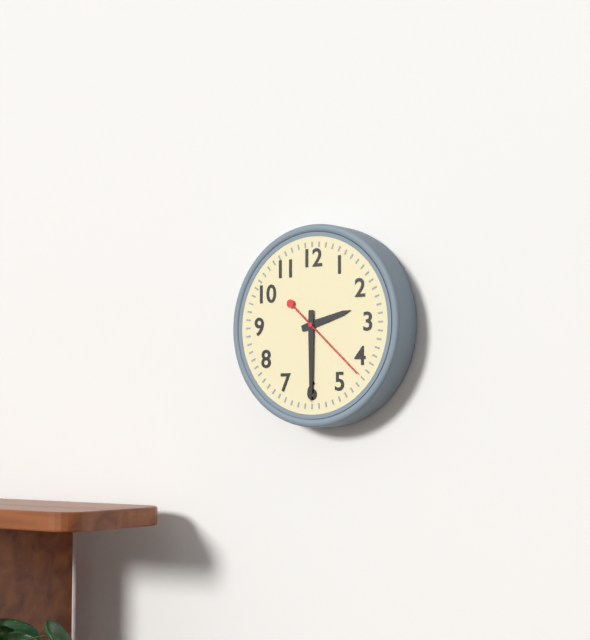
2:30:22
